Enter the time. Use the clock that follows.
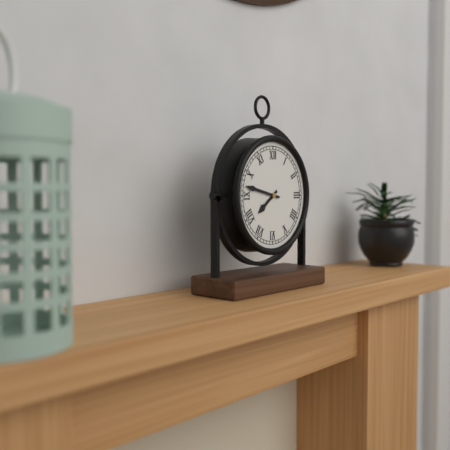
7:47
